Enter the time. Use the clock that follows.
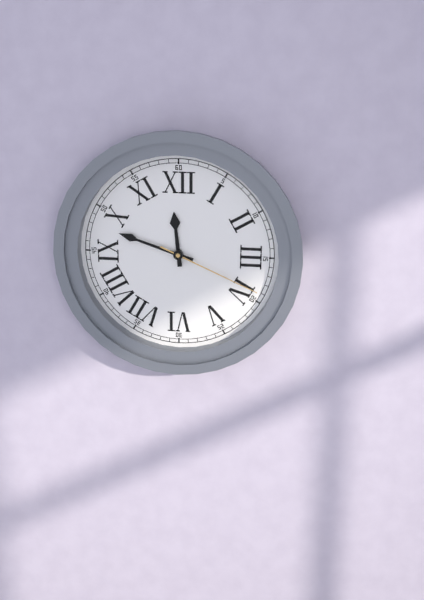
11:48:19
